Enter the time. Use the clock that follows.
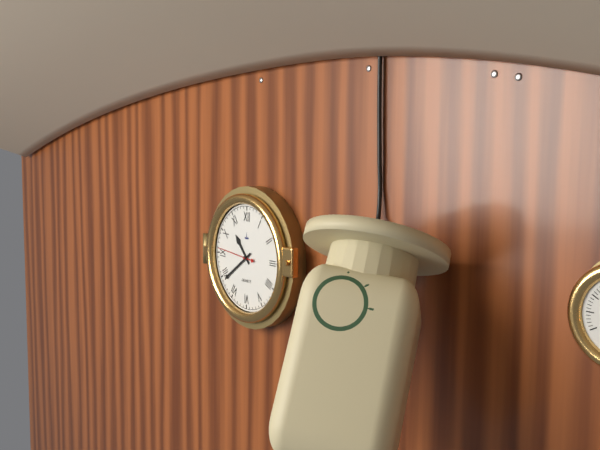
10:39
